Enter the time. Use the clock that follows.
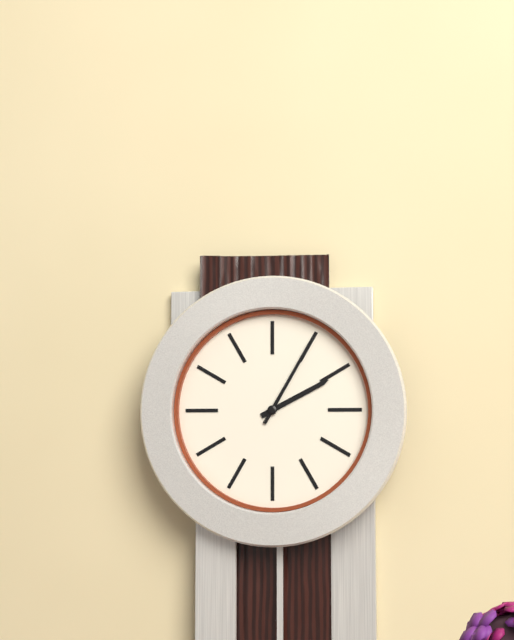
2:05
